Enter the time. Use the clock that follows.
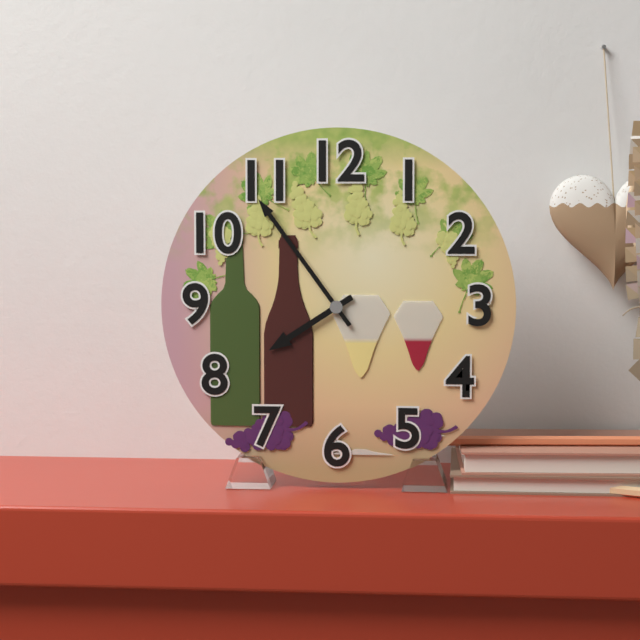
7:54
